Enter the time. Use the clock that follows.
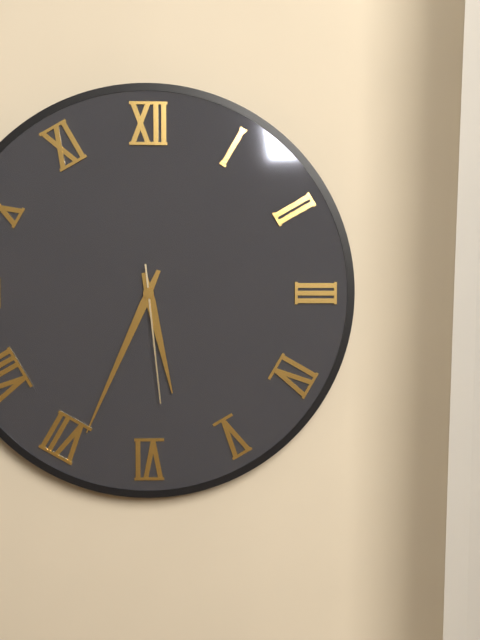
5:34:29
